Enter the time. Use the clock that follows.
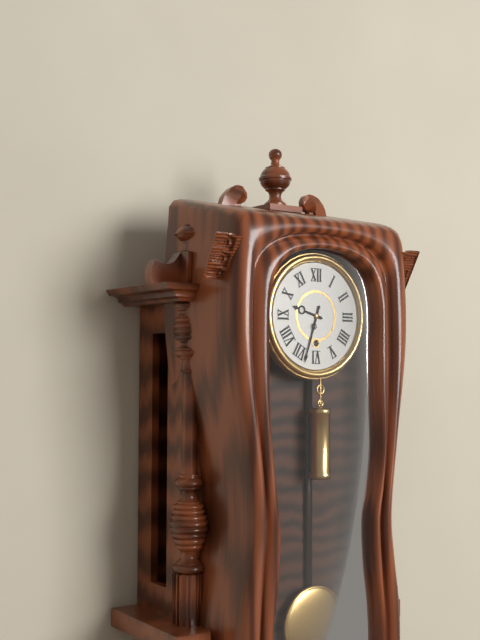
9:33
